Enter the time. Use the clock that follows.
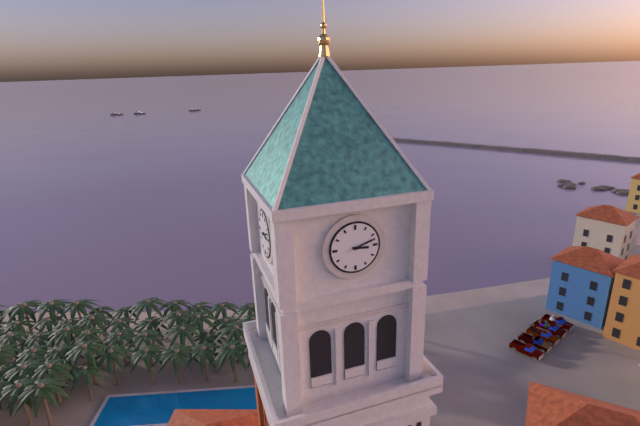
3:12
